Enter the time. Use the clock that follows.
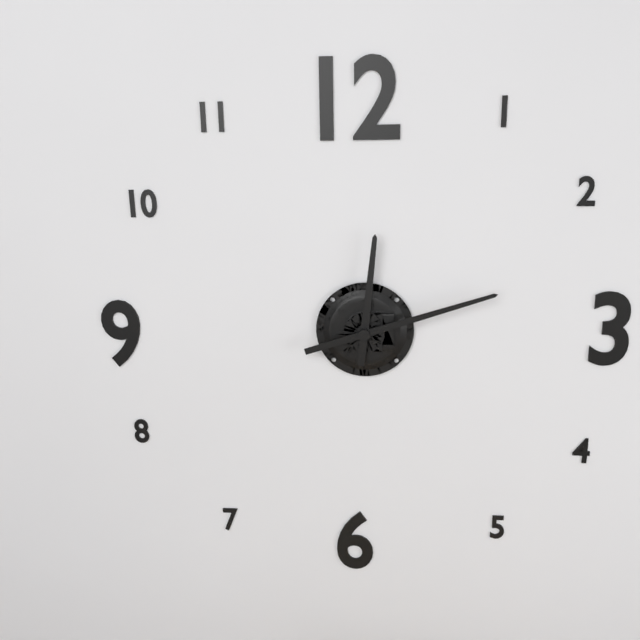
12:12
